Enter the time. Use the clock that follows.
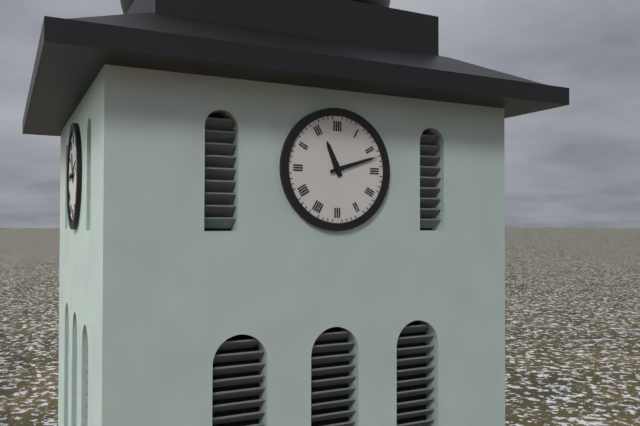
11:12
